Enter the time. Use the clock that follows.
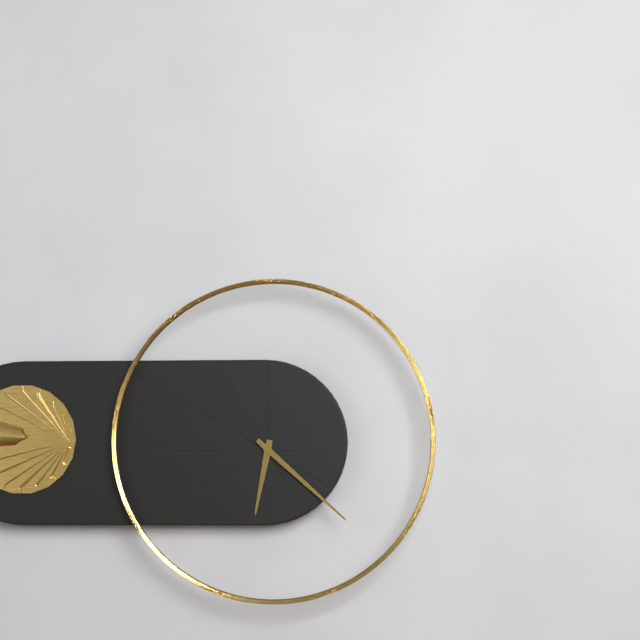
6:22
